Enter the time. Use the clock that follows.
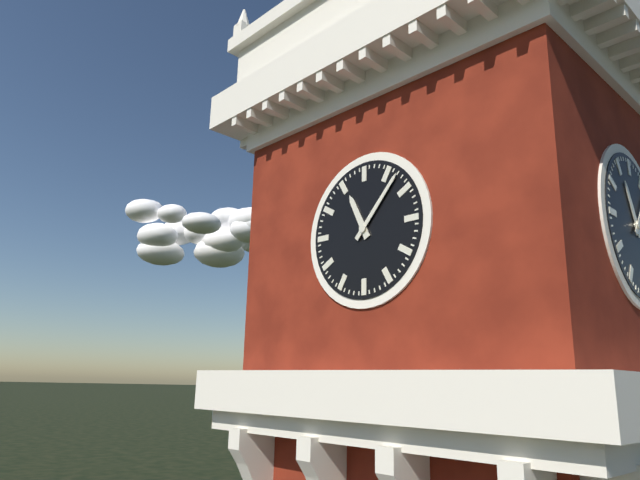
11:07
